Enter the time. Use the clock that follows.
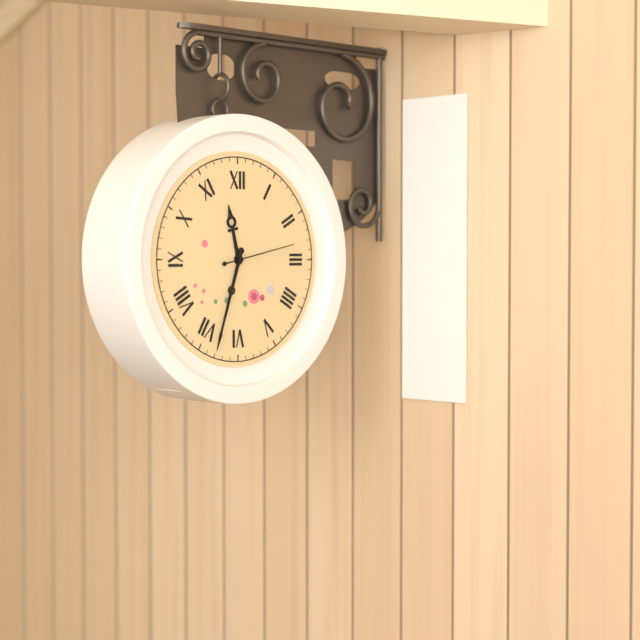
11:33:13
